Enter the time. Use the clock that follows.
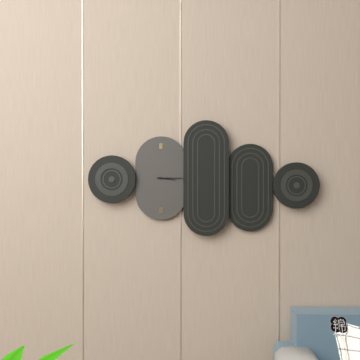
3:15
